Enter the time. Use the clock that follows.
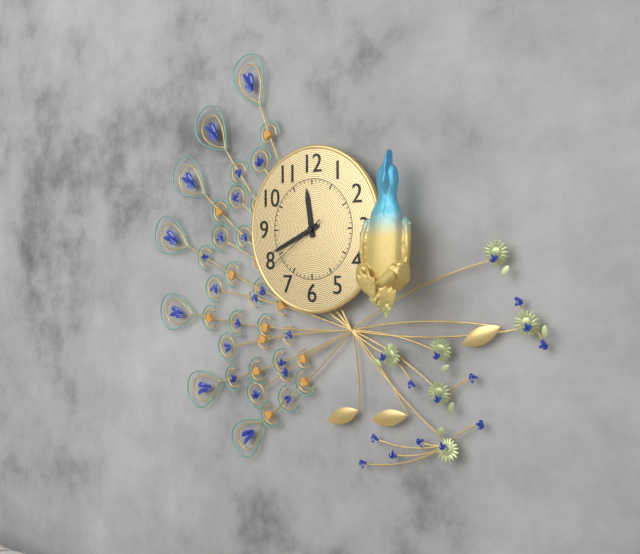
11:41:39
